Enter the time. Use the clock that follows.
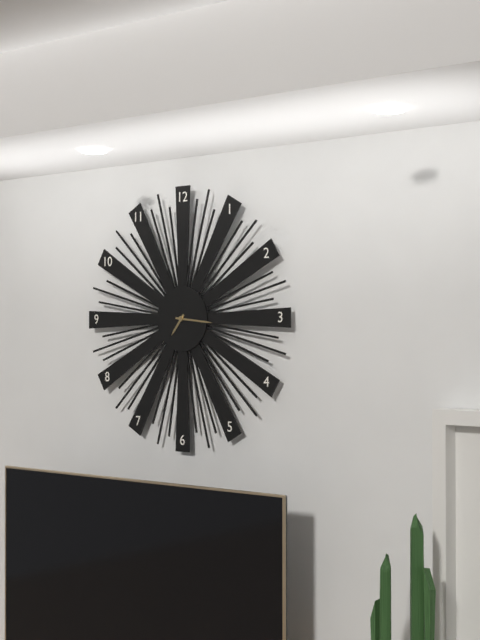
7:16
